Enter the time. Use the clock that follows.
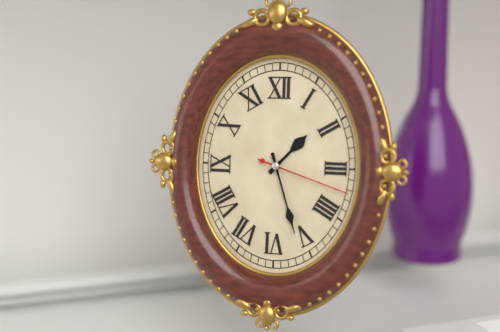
1:27:18
